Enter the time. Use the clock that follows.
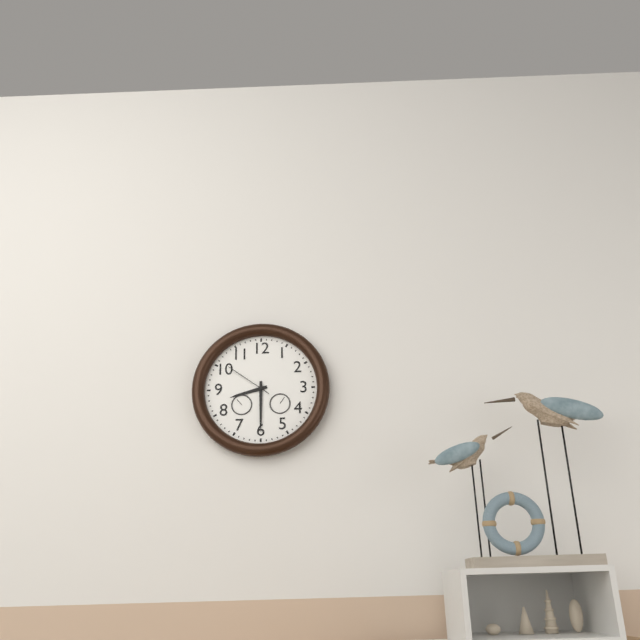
8:30:51
